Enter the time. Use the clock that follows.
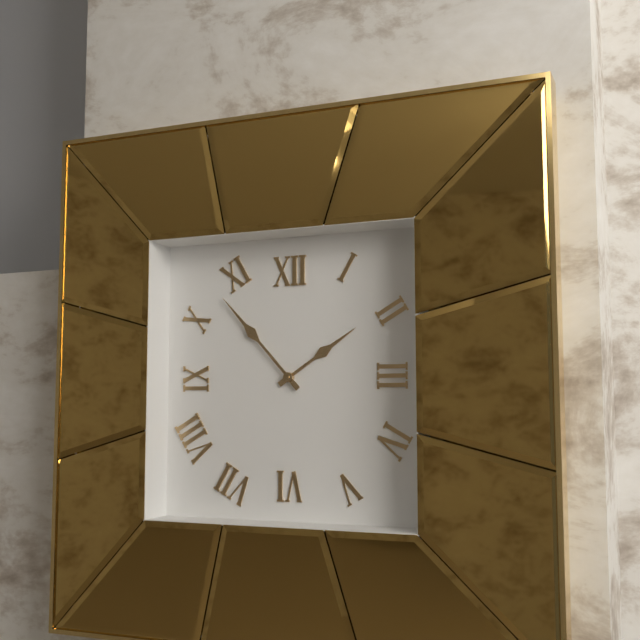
1:53
